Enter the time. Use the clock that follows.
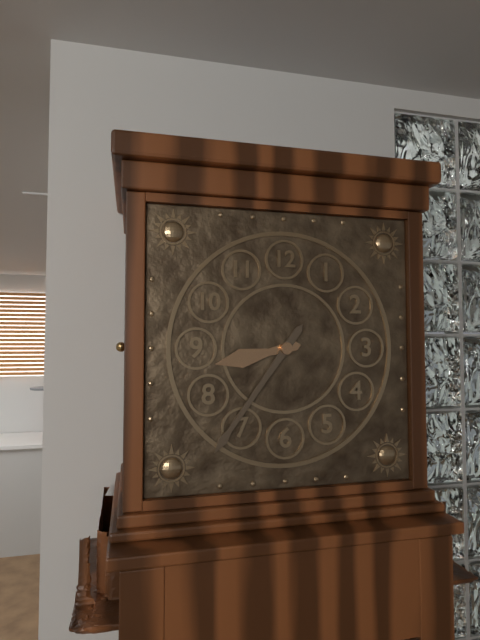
8:36
